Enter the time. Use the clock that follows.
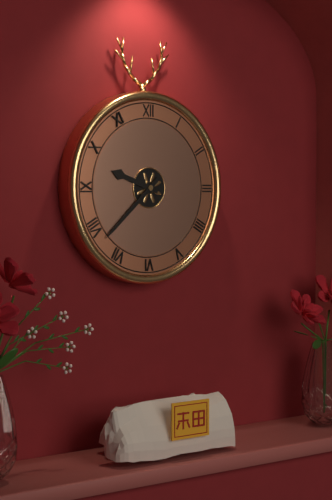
9:38
